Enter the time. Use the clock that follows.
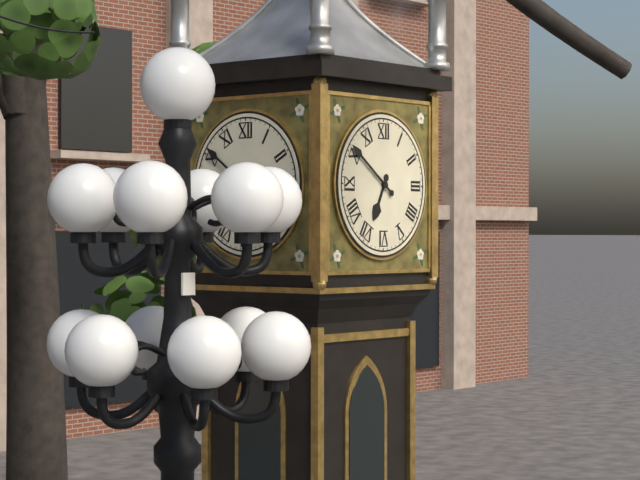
6:51
